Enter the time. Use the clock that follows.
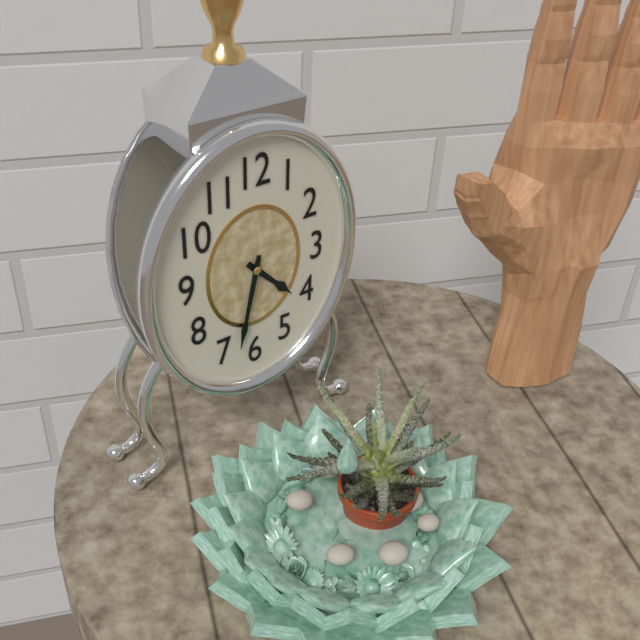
4:32
